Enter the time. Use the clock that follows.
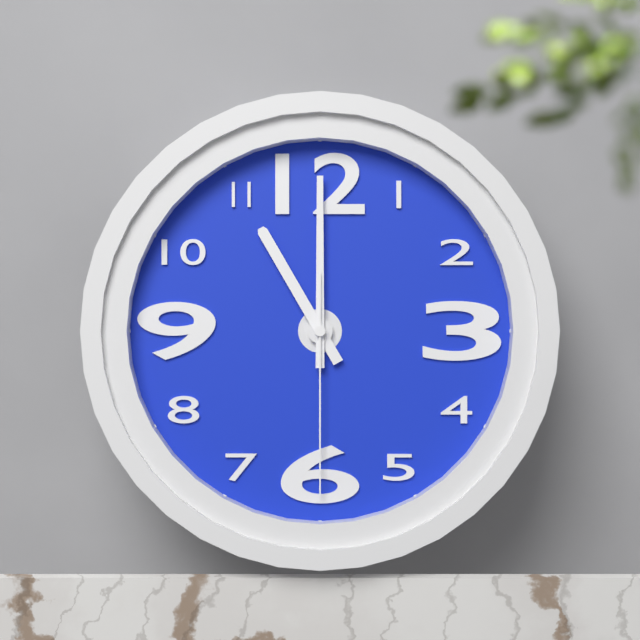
11:00:30
